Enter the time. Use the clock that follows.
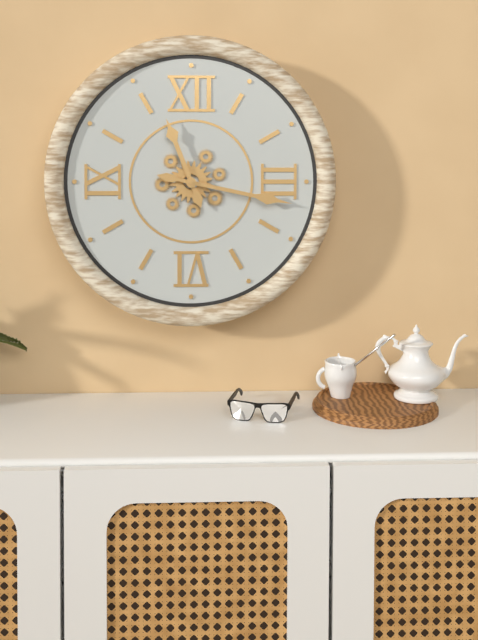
11:17
